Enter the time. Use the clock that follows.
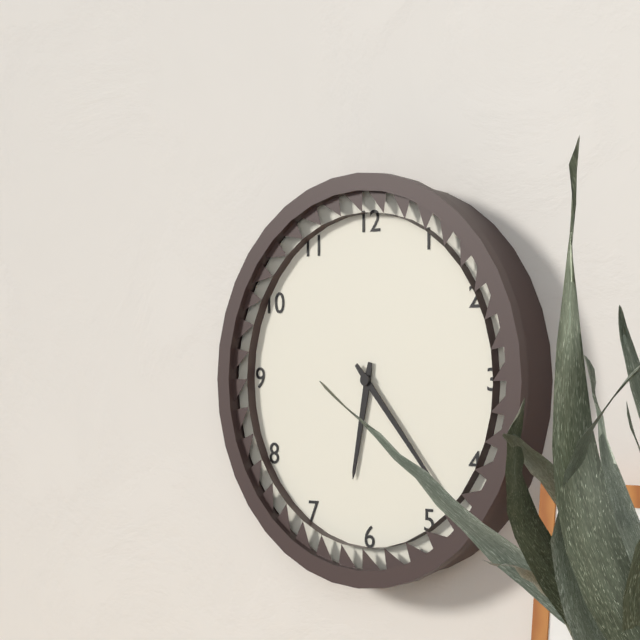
6:23
